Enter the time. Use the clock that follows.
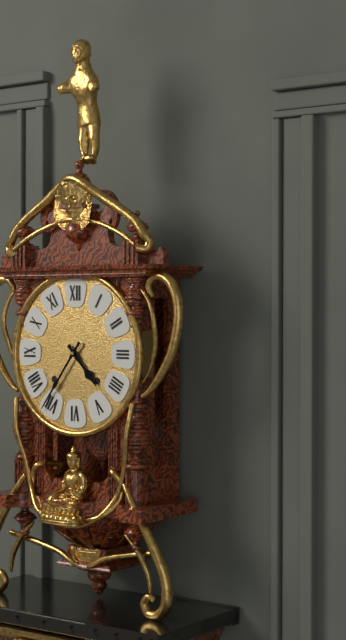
4:36
